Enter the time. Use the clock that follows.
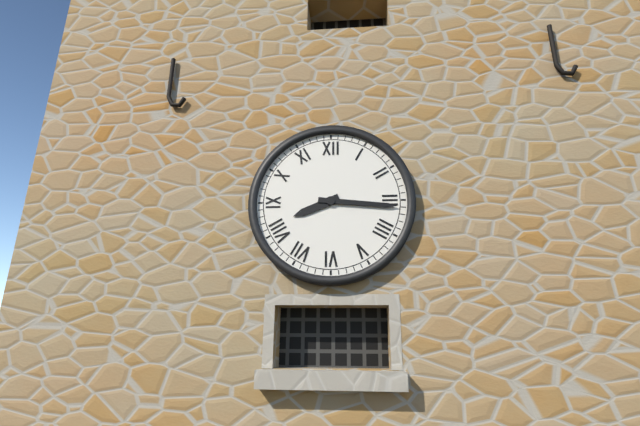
8:16
